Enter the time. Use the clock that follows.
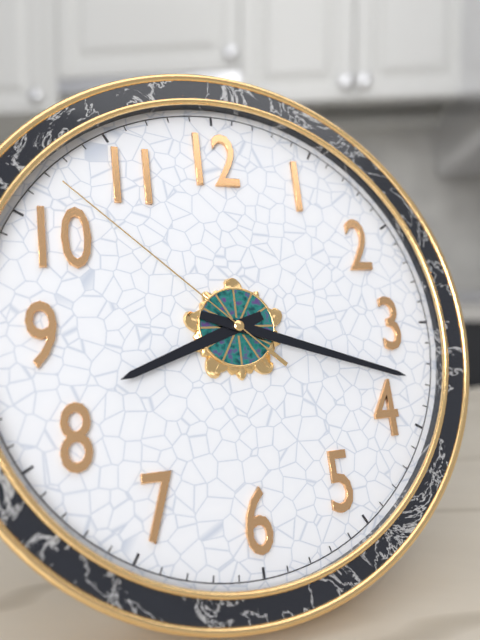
8:18:52
